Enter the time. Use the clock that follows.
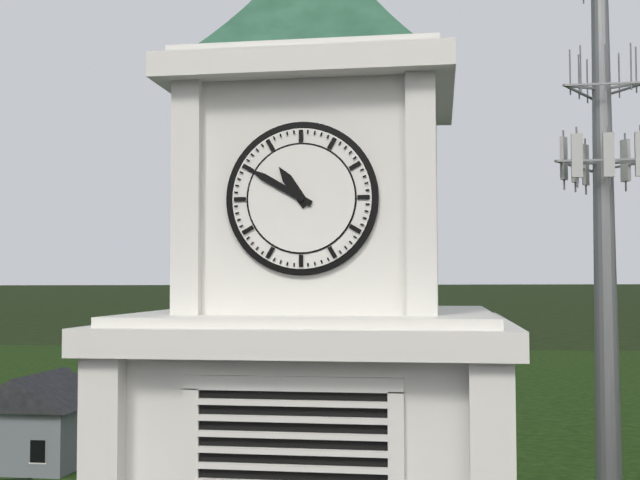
10:50
